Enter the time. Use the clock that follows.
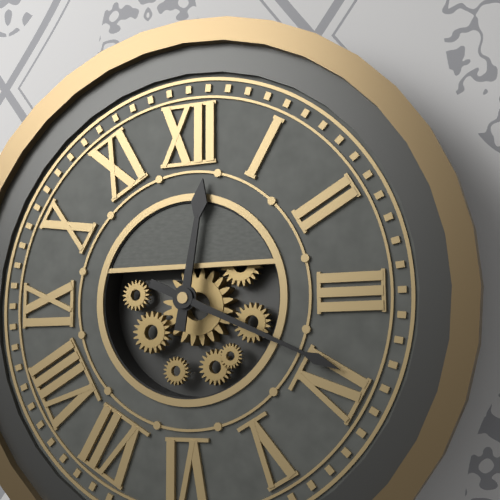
12:19
